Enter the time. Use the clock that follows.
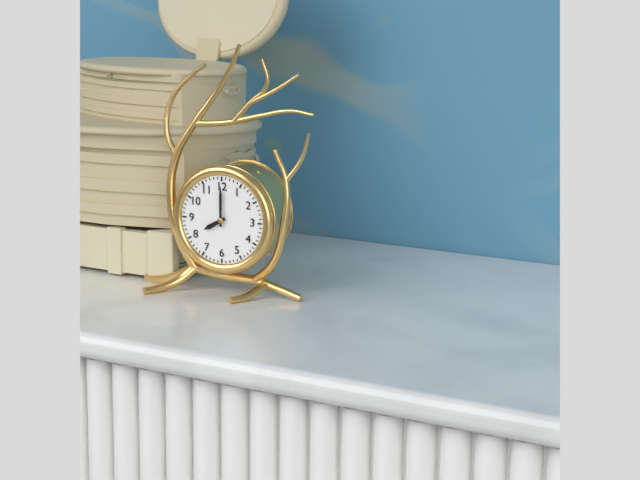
8:00
